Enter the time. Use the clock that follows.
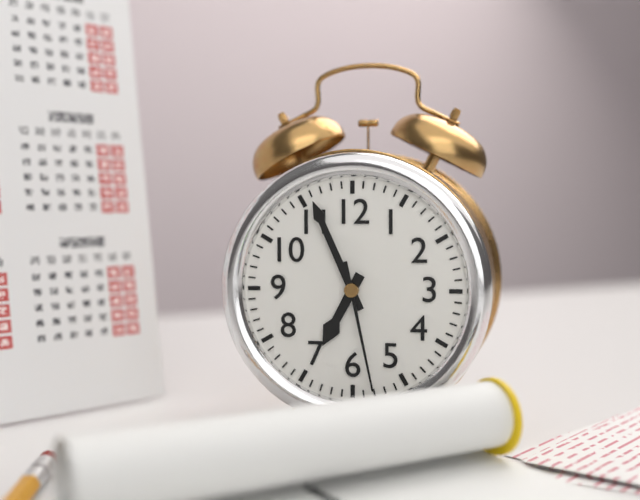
6:56:28
